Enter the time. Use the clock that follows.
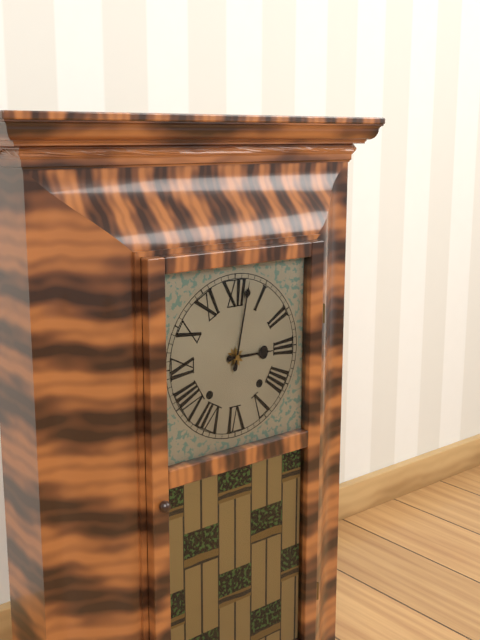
3:02
